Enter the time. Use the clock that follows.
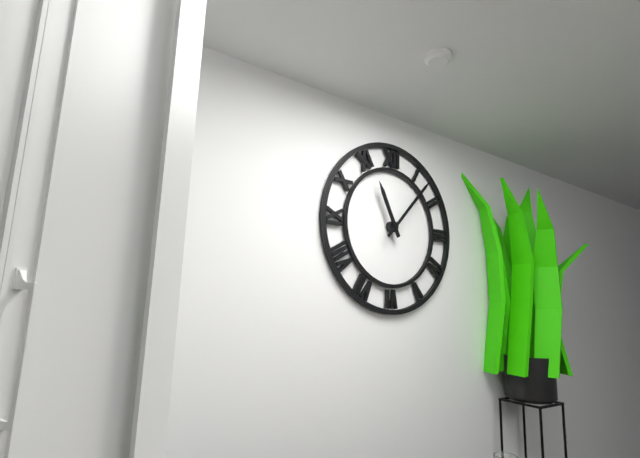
11:07
